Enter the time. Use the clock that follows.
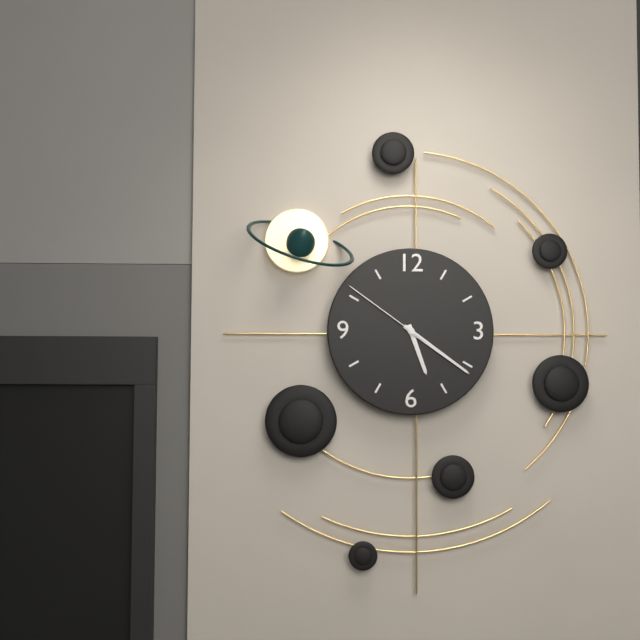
5:21:51
